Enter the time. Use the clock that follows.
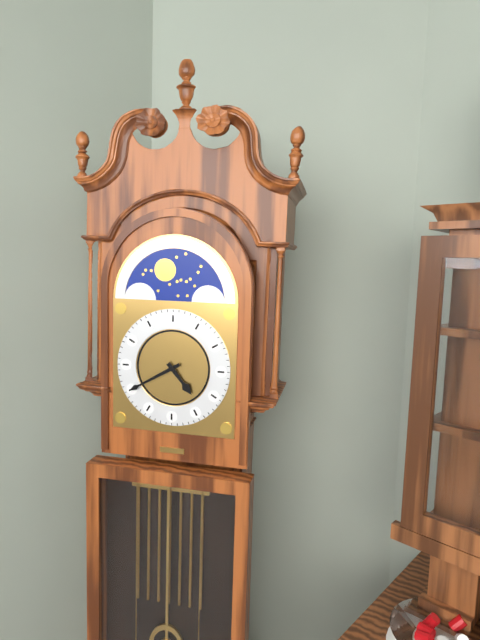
4:40
